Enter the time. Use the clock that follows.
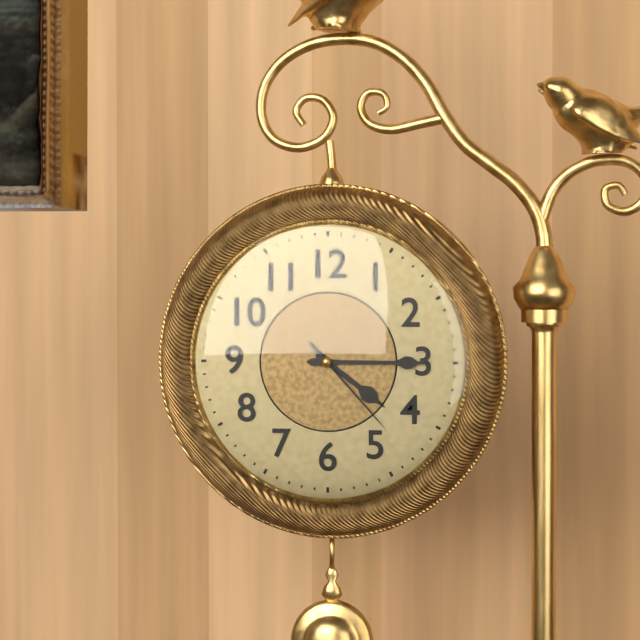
4:15:23
